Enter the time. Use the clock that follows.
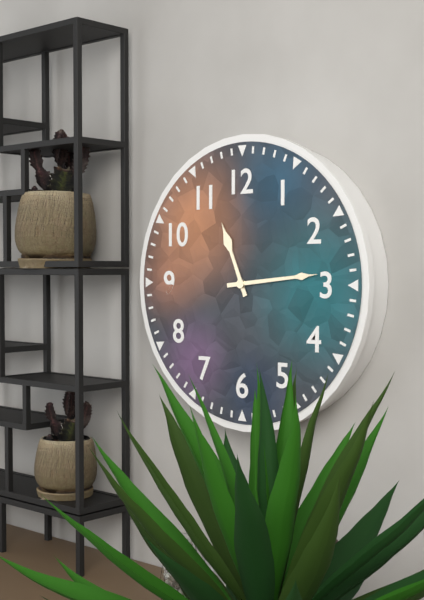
11:14
